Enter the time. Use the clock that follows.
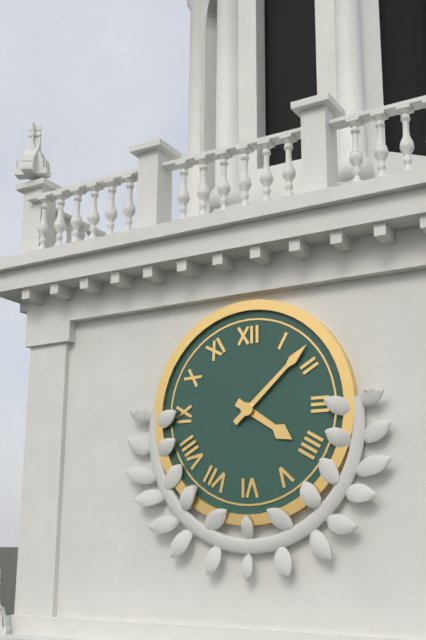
4:08
